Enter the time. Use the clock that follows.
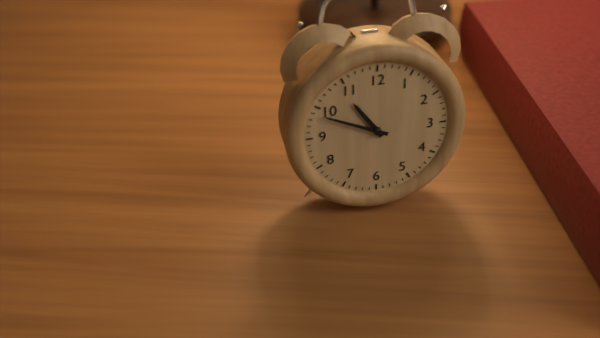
10:49
